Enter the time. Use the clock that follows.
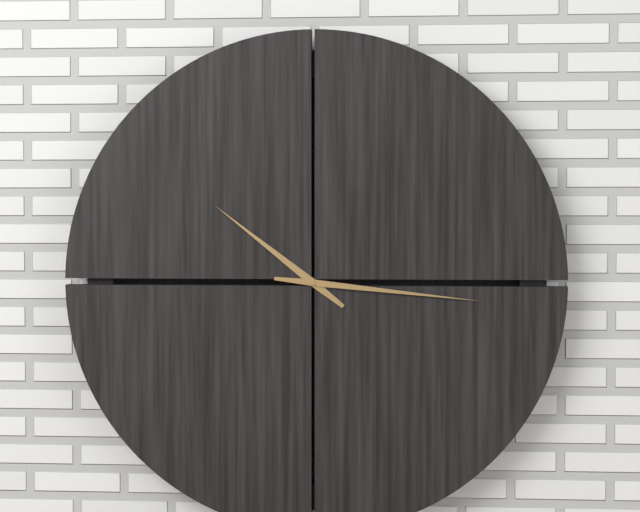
10:16
